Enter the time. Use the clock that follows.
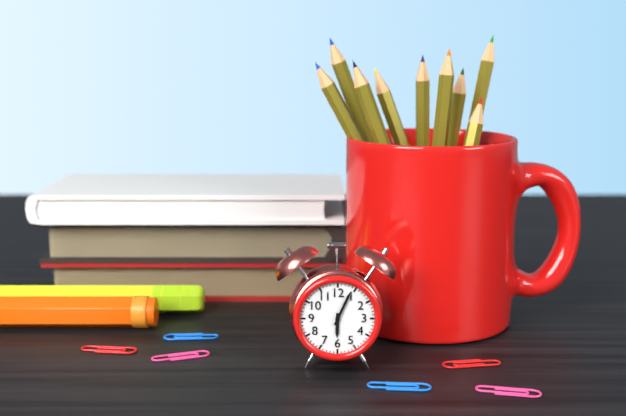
6:04
